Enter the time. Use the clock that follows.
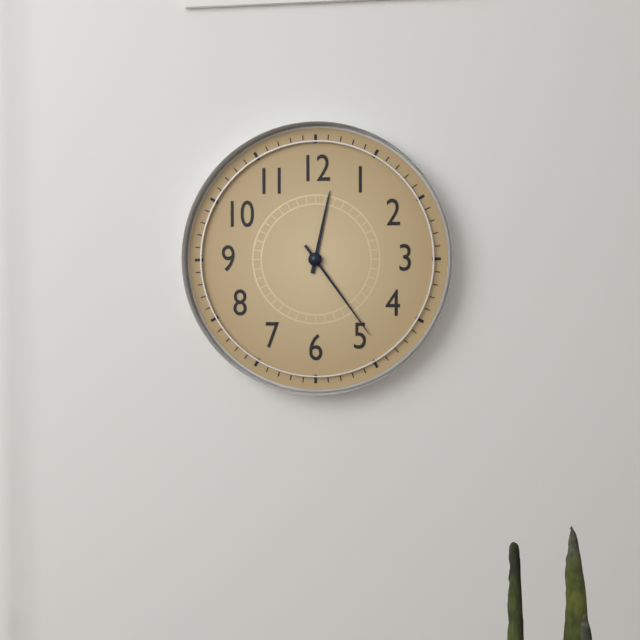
12:24
